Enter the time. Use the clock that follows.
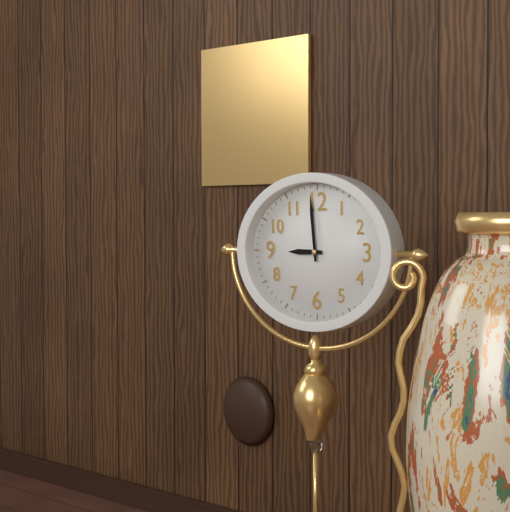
8:59
